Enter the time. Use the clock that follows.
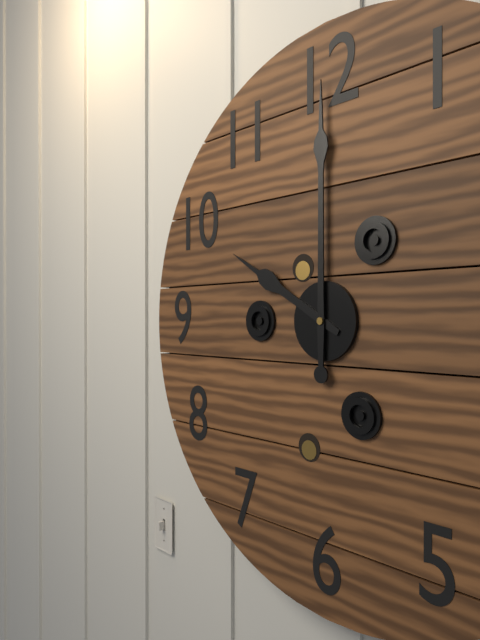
10:00
